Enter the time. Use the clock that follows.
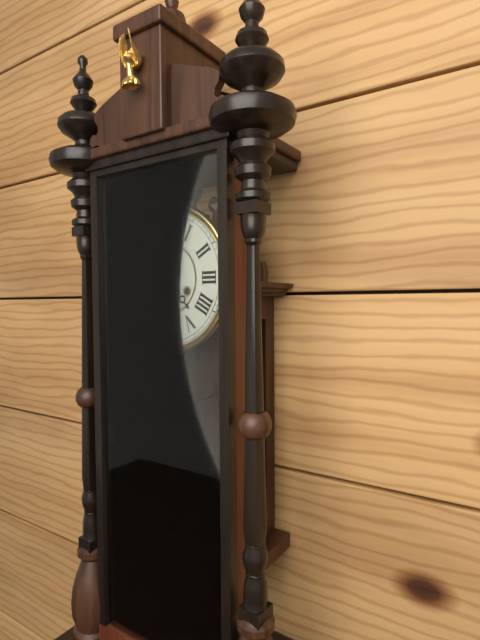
4:38
